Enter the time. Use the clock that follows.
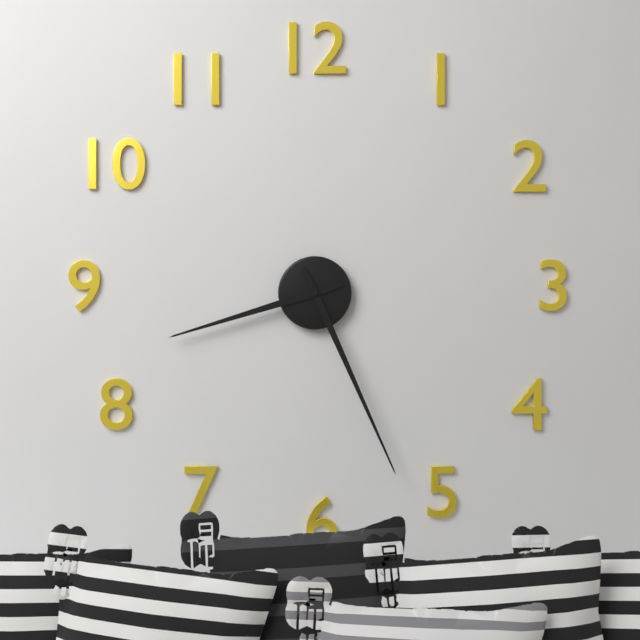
8:26
